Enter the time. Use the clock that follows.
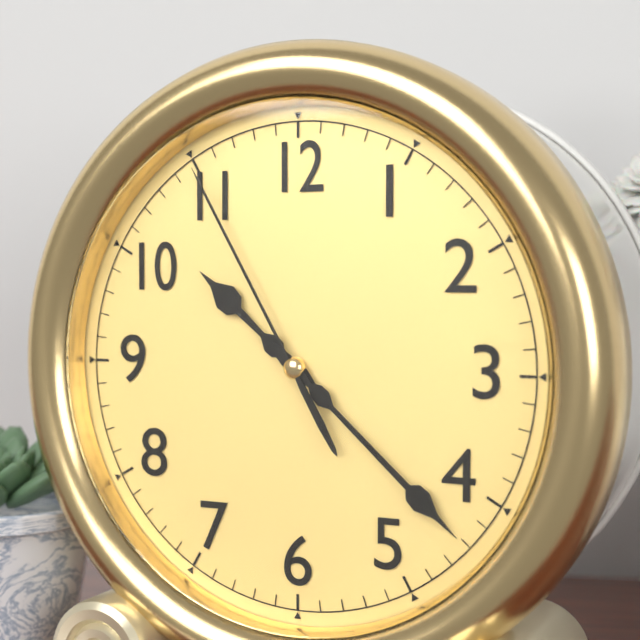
10:22:55
